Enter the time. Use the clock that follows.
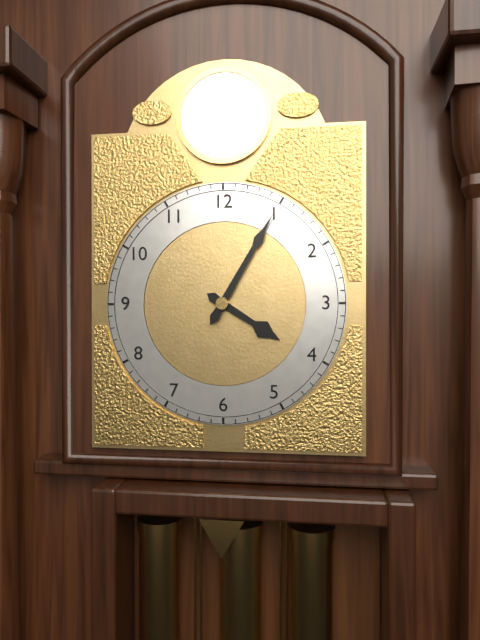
4:05
